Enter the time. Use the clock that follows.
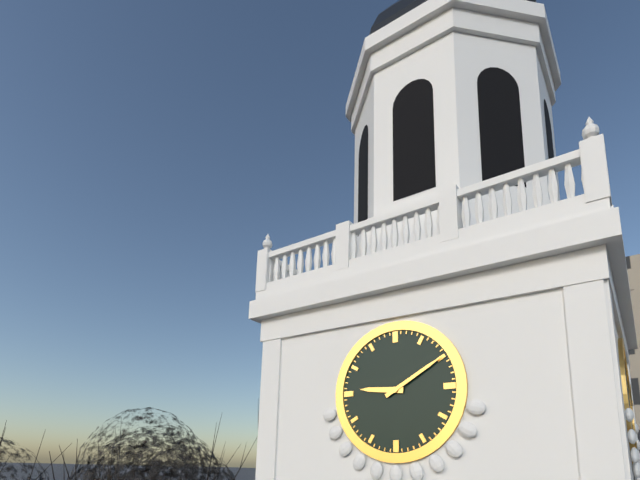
9:10
